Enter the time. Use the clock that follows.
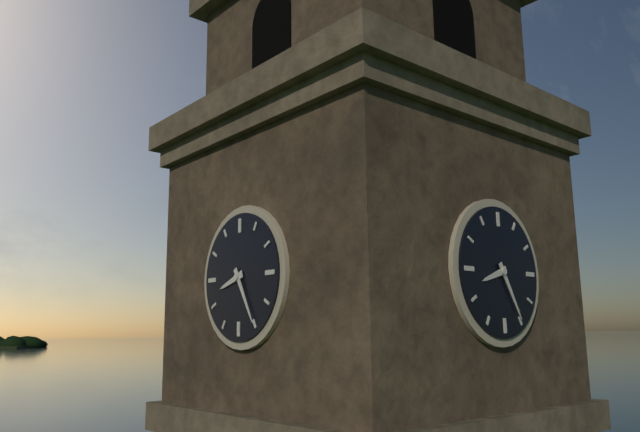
8:25
